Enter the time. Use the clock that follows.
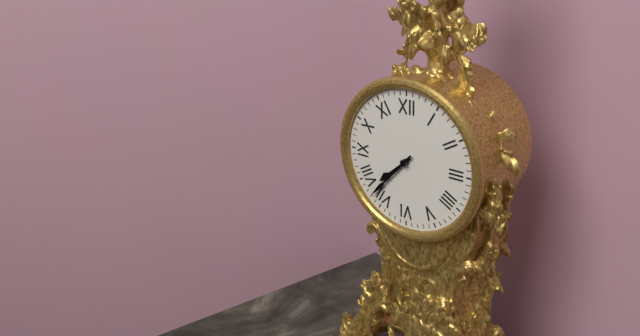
7:37
